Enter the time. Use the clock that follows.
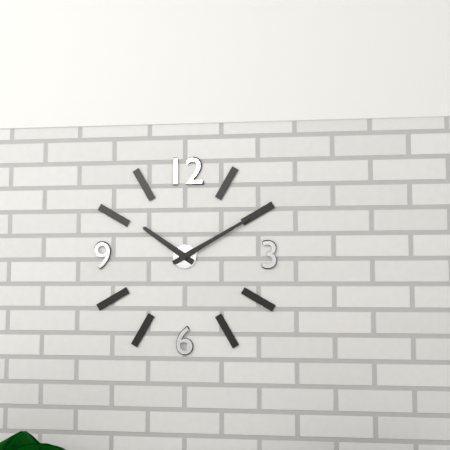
10:10
